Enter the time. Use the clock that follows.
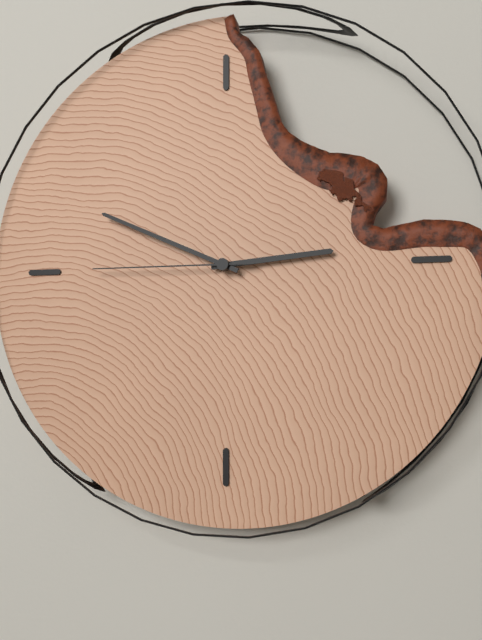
2:49:45
